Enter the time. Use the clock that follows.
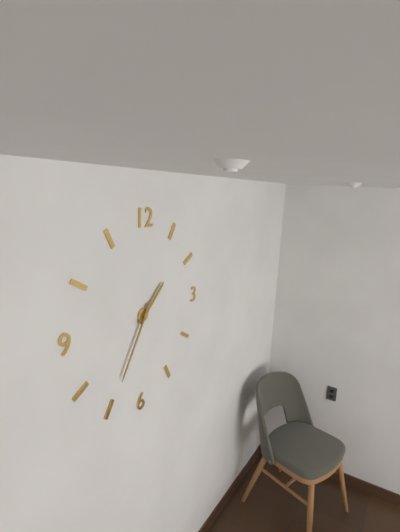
1:35
